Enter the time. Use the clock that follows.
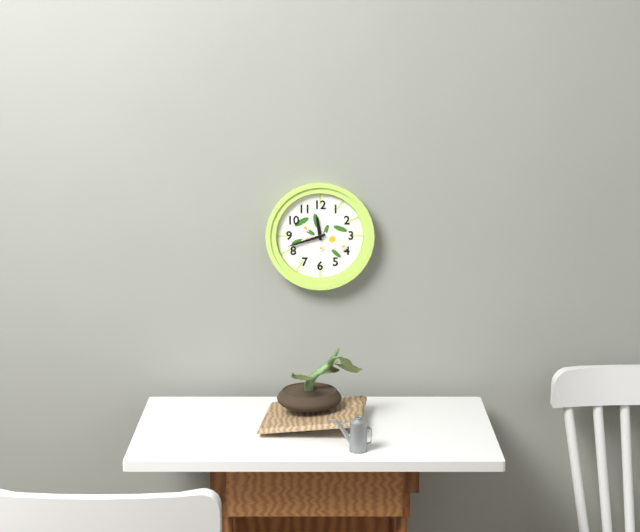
11:42
